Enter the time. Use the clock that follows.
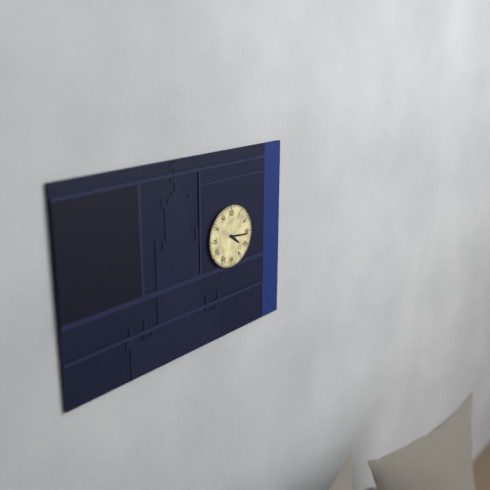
4:16
